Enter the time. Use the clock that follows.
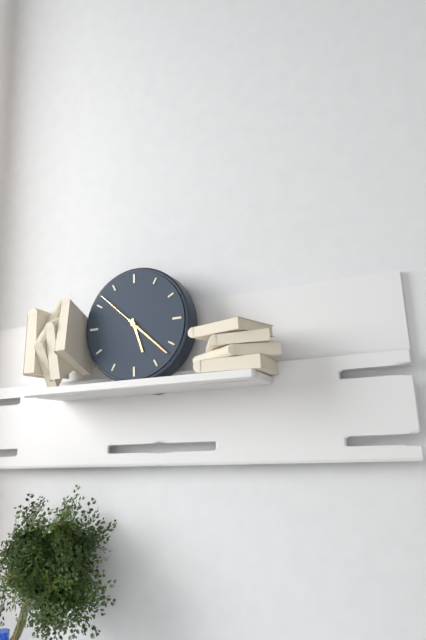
5:22:52
